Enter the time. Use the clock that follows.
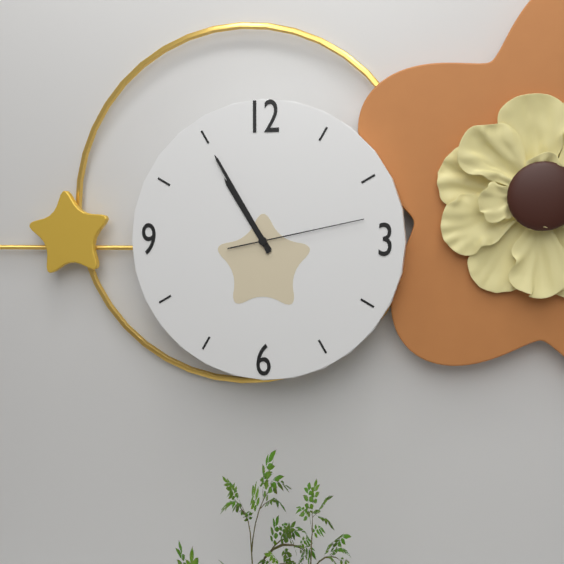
10:55:13
